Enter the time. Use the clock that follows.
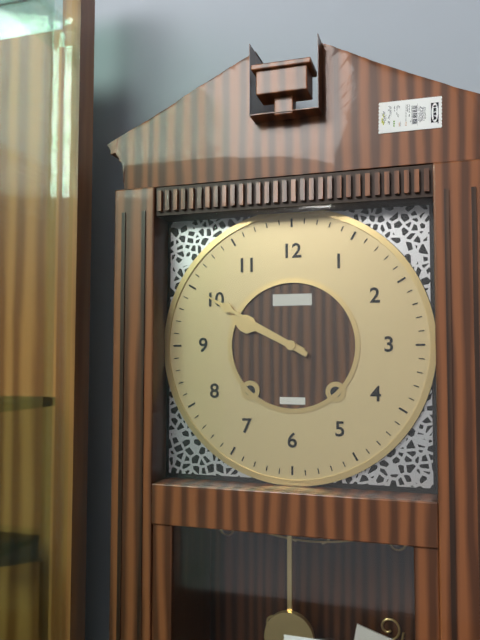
9:50
